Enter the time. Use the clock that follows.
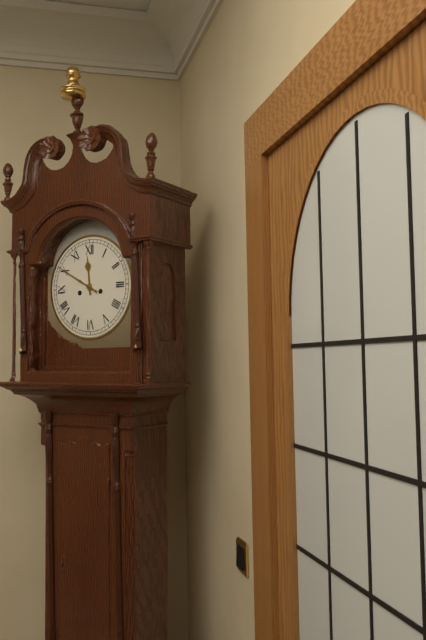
11:50
